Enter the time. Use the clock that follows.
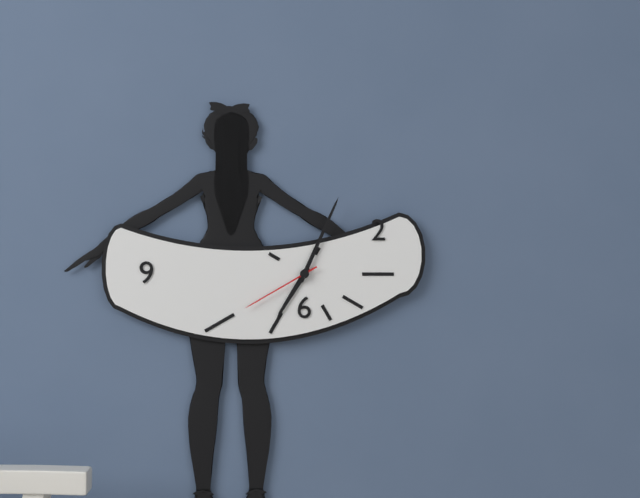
7:04:40
